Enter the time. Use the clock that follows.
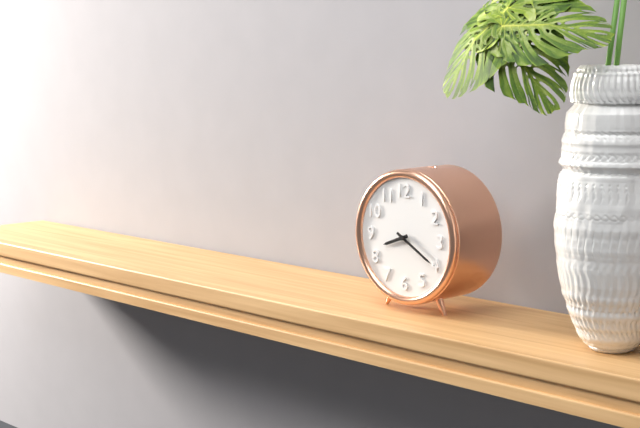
8:20
